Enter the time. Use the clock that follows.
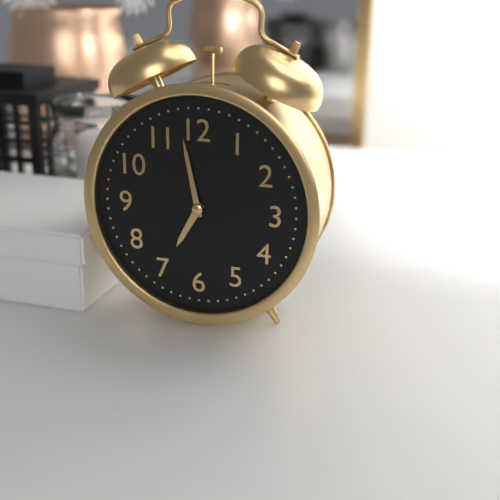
6:58
